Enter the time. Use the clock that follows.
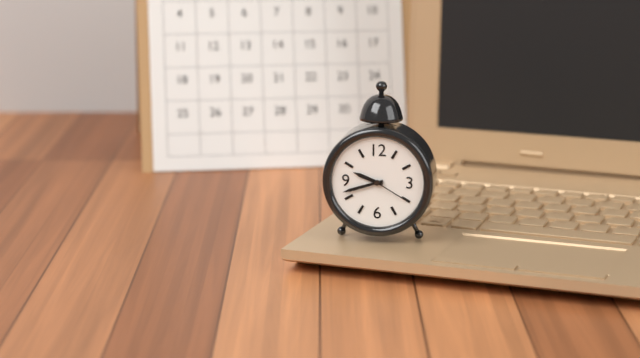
9:42
